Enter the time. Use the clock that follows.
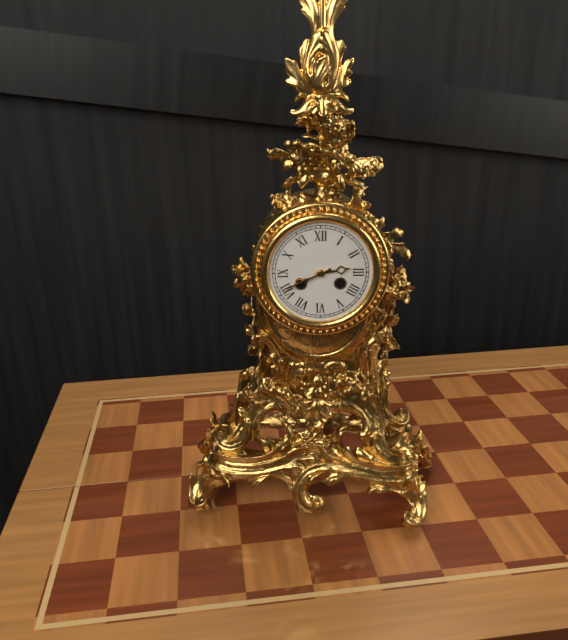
2:41
